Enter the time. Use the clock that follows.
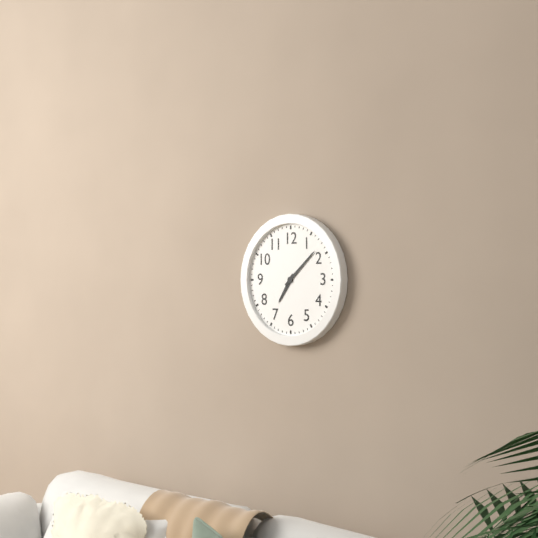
7:08
